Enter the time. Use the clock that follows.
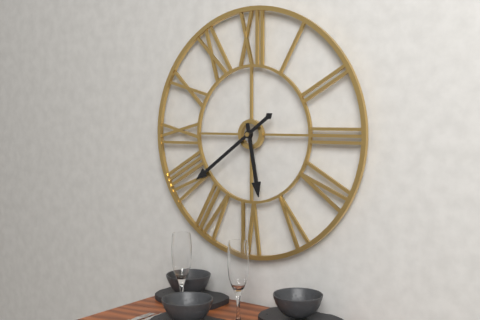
5:39
